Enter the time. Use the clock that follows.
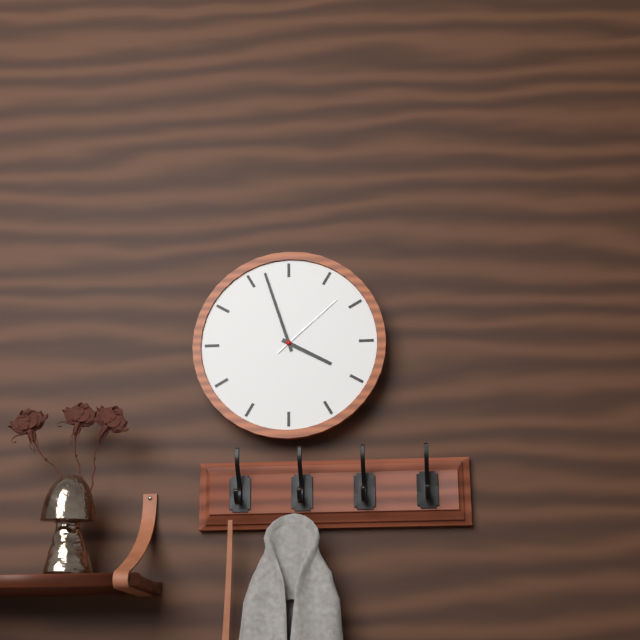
3:57:08
